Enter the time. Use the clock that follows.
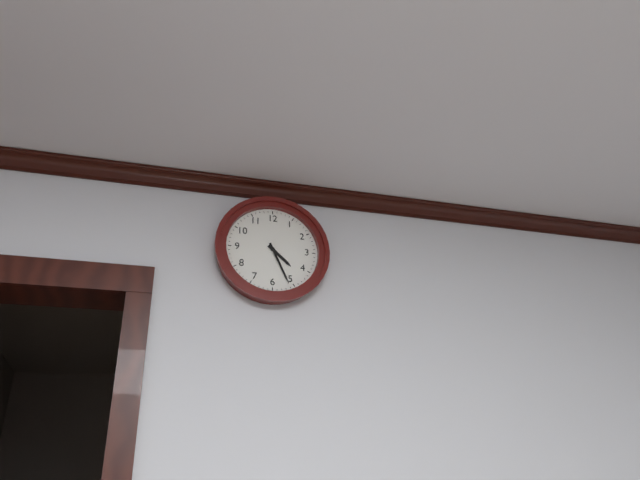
4:26
